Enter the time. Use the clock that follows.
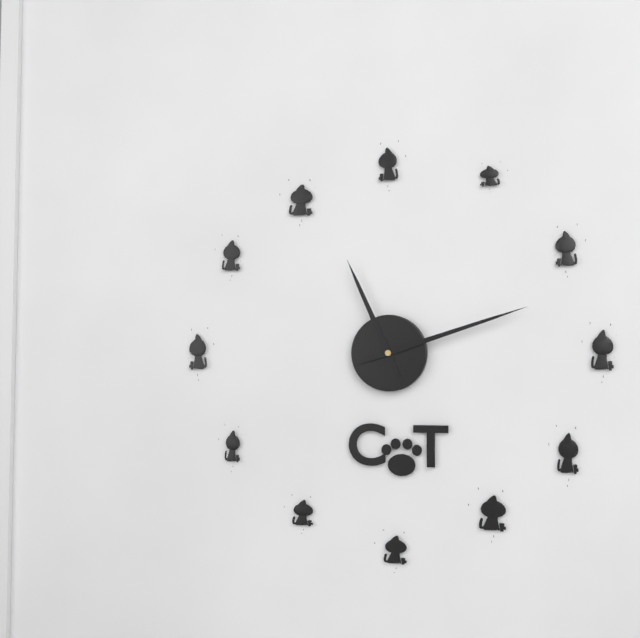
11:12
